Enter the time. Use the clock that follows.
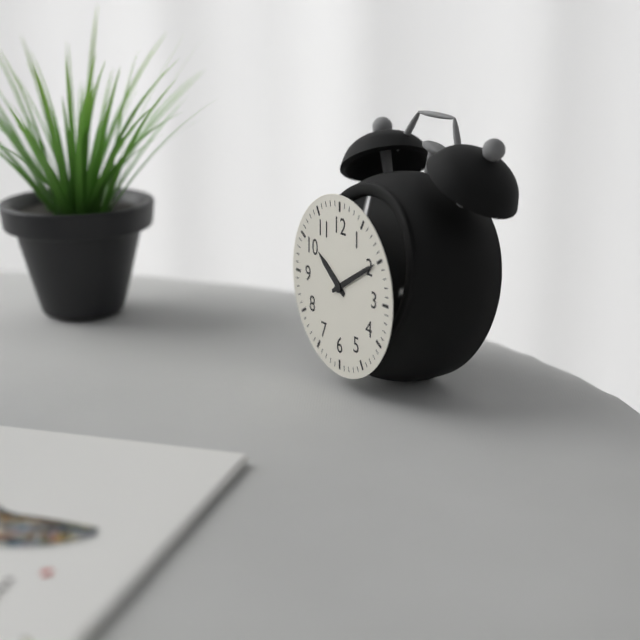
10:10
